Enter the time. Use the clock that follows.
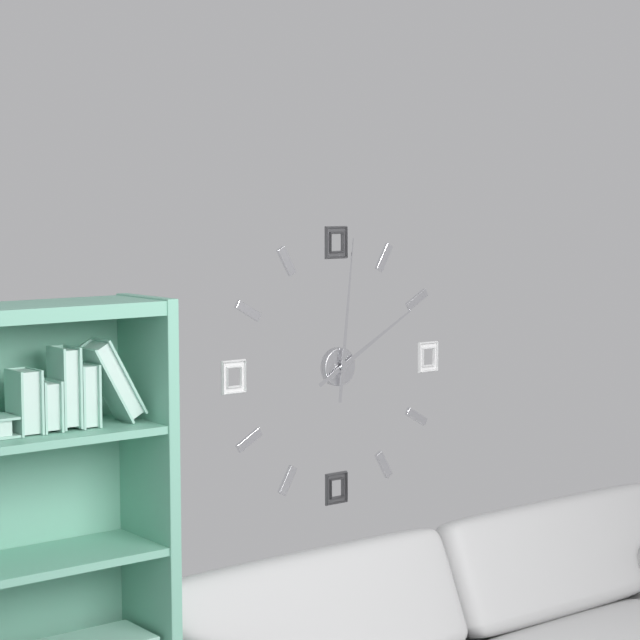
2:01
